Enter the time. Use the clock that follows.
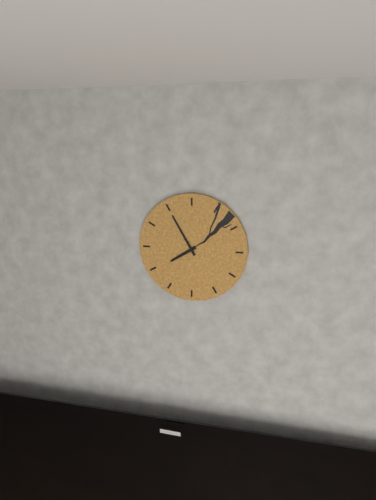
7:55
